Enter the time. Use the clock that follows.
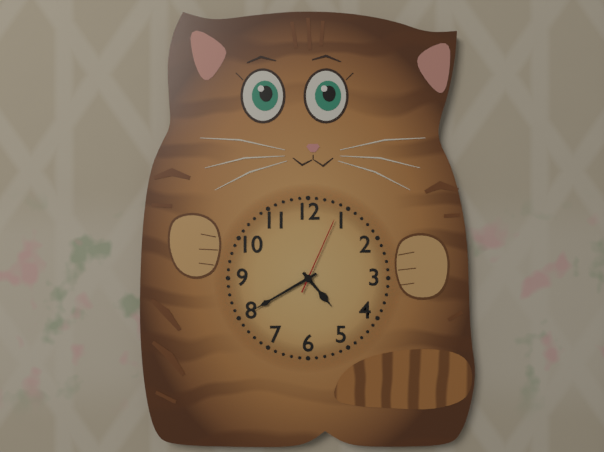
4:40:04
